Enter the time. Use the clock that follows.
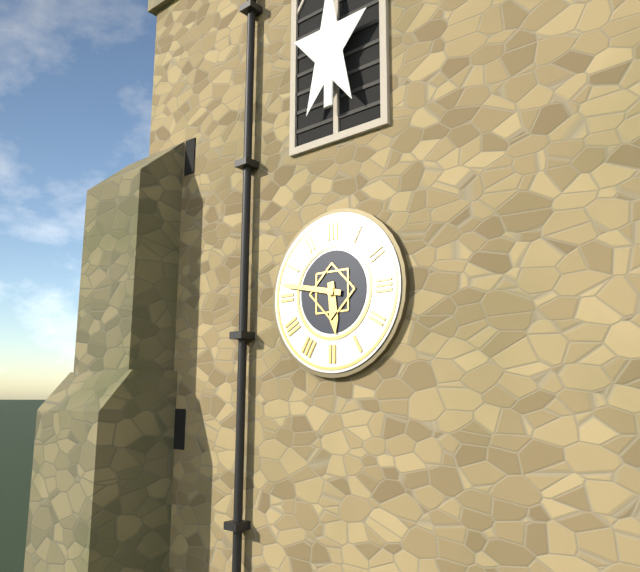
5:47
